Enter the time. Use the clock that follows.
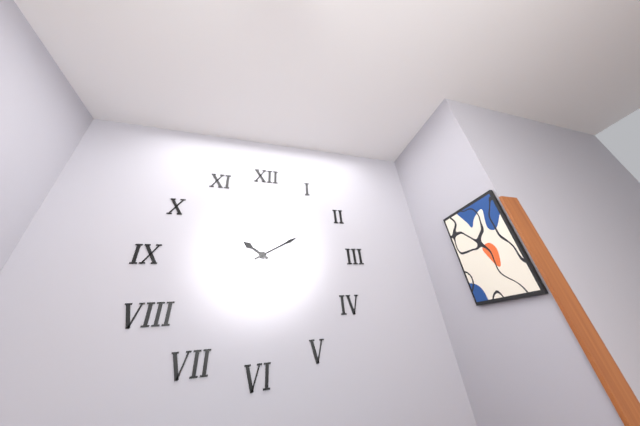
10:10
